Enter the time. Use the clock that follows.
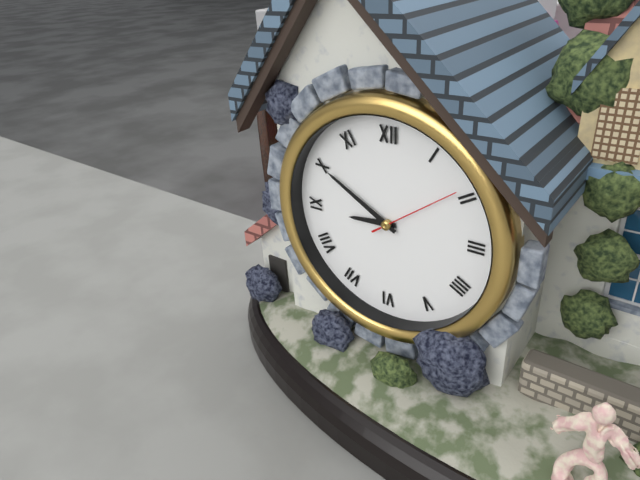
8:50:09
